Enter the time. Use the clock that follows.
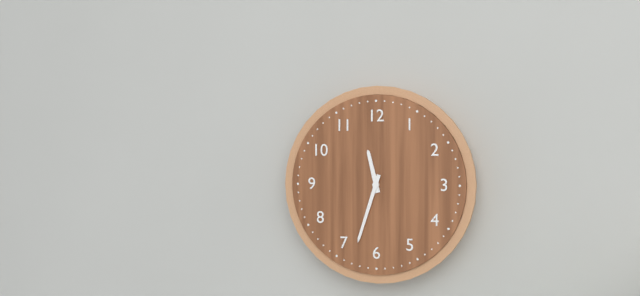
11:33
